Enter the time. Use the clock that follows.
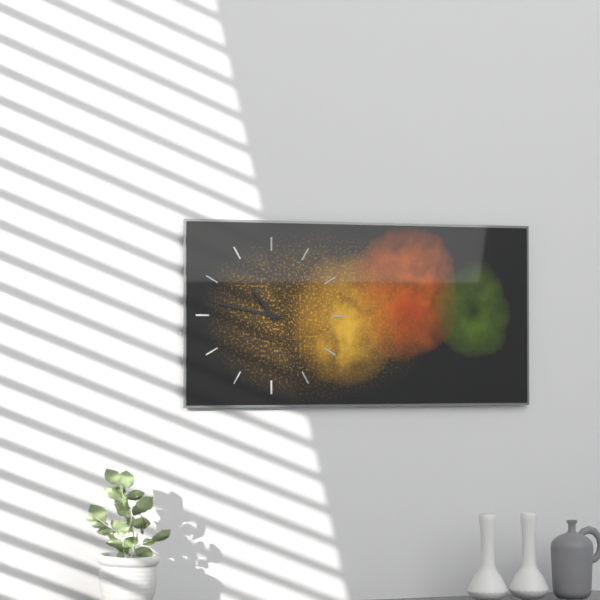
10:47
